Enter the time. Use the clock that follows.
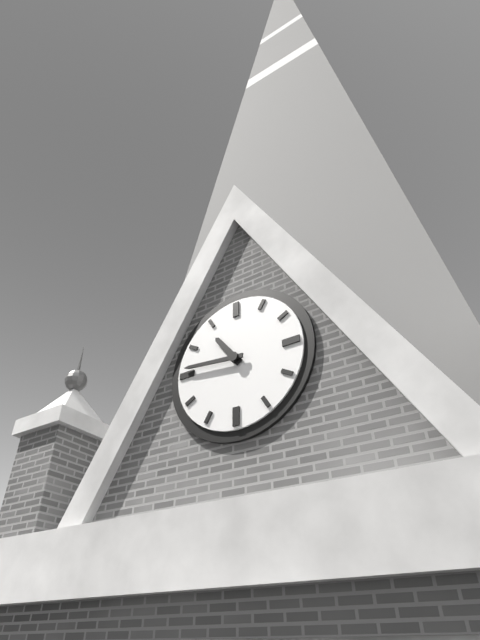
10:46
